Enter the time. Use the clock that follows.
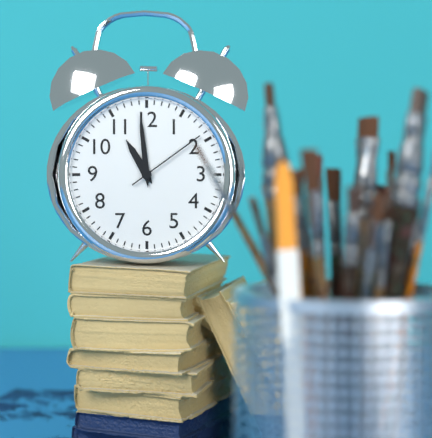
10:59:09
